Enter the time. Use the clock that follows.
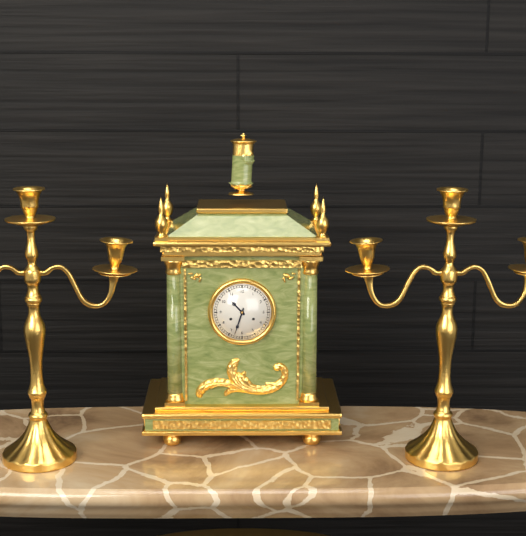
10:33
